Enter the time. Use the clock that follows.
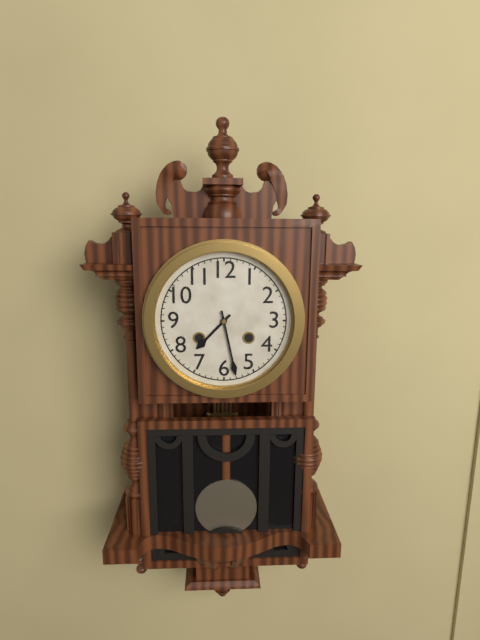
7:28
